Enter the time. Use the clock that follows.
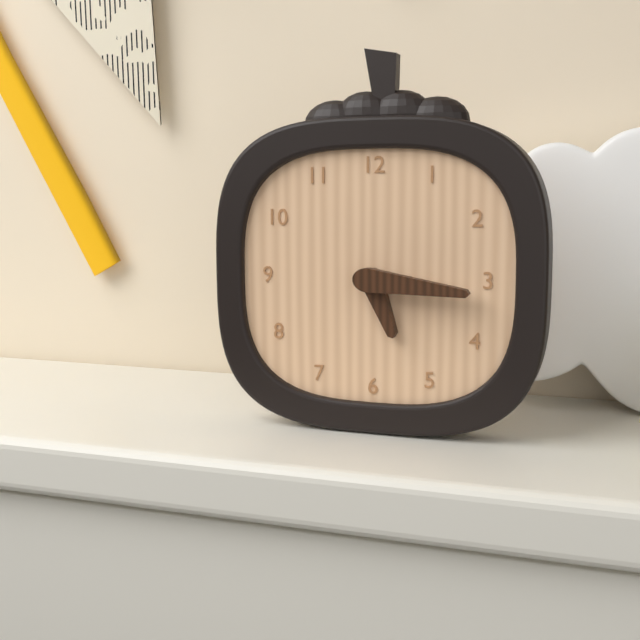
5:16
